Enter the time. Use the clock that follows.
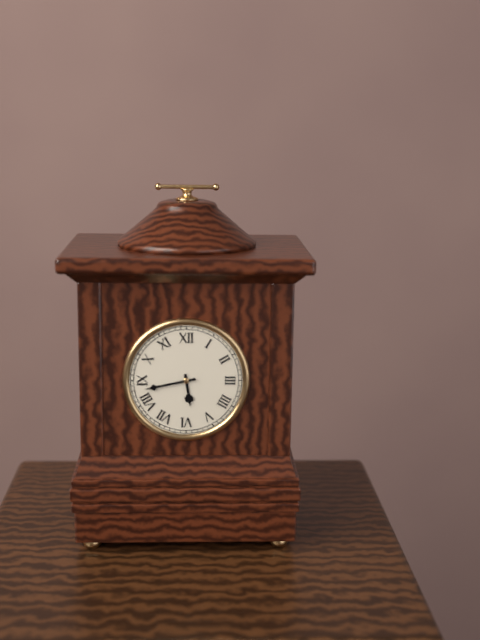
5:43
